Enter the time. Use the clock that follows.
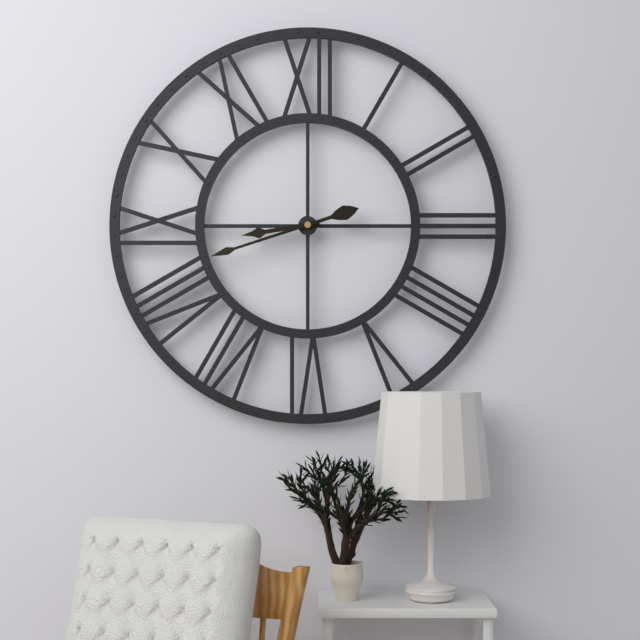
8:42
